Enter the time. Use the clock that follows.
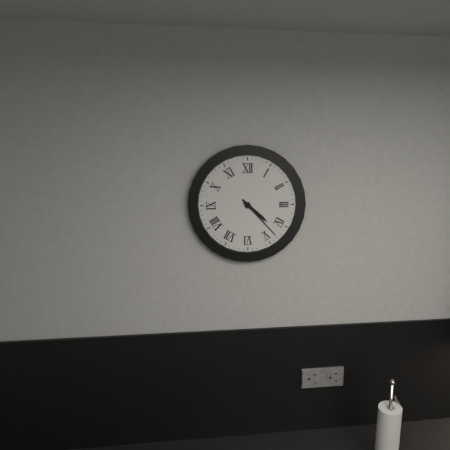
4:23
